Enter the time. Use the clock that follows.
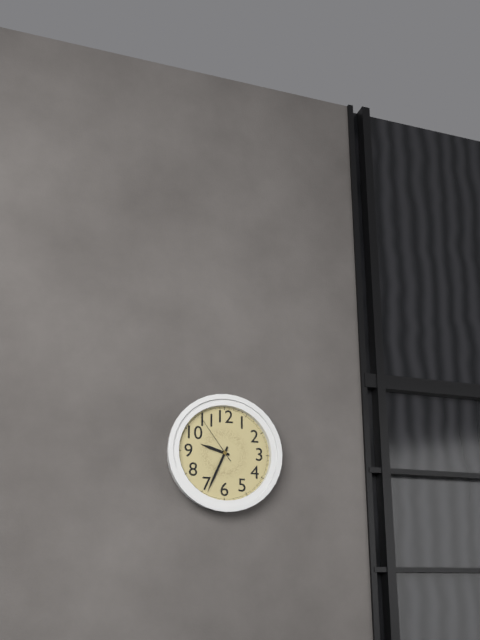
9:34:54
